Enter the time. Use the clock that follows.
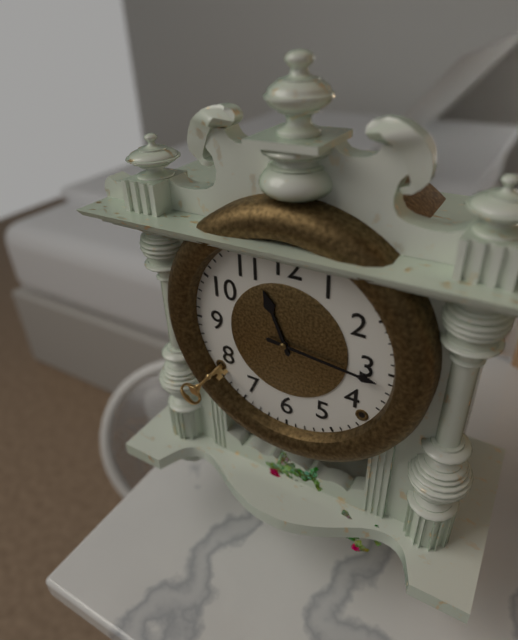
11:16
